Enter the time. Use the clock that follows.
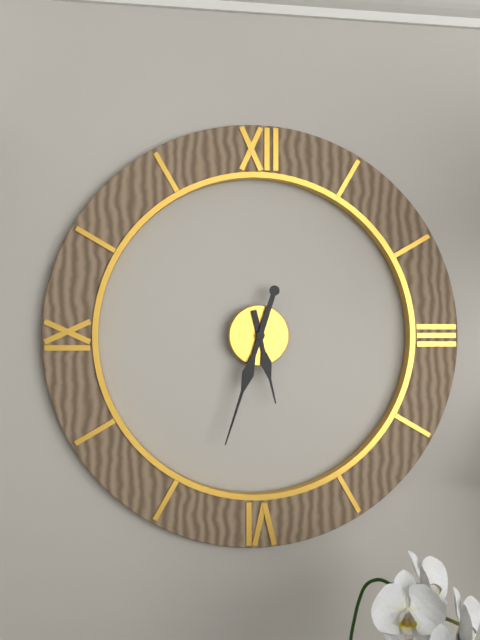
5:33
